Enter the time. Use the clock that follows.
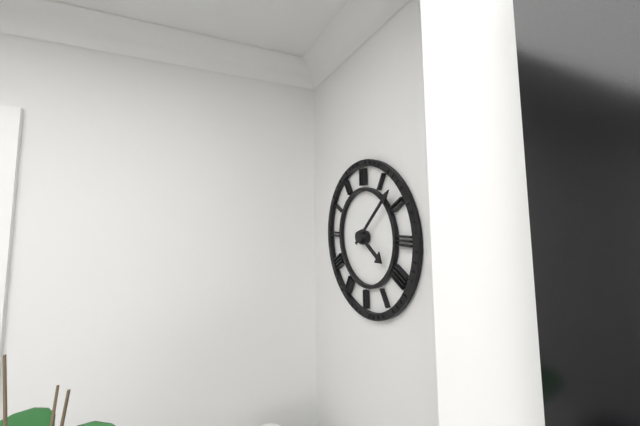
4:08
